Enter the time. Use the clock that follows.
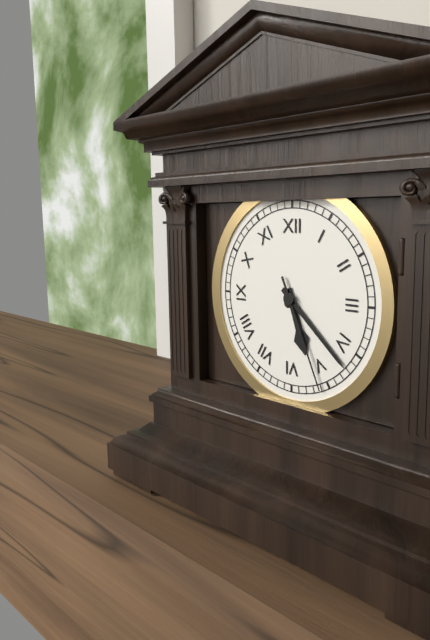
5:22:26
